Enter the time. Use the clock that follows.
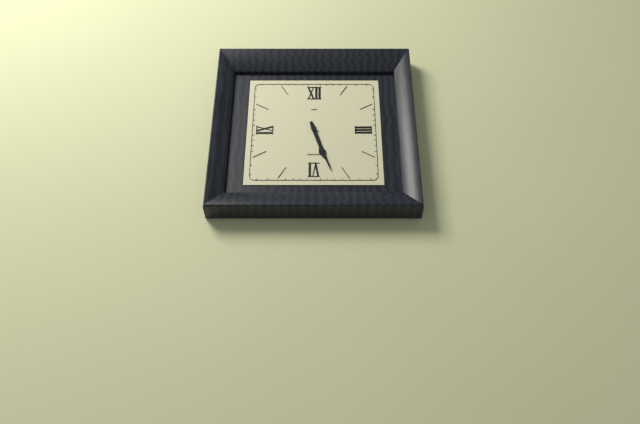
5:27
